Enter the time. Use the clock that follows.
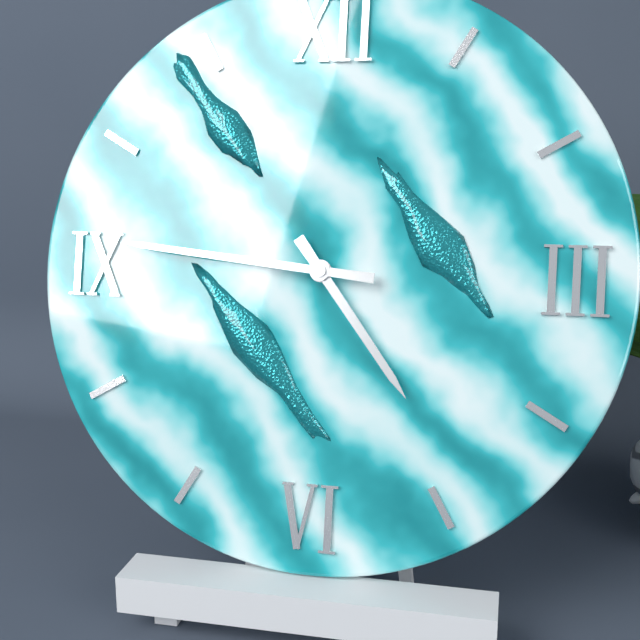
4:46
